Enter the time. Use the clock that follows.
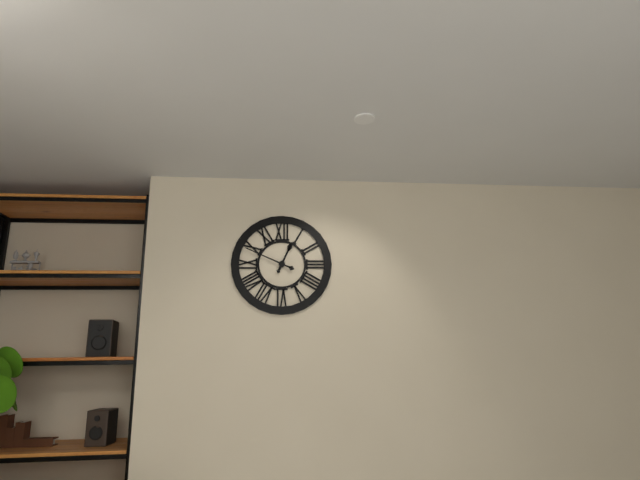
12:49
